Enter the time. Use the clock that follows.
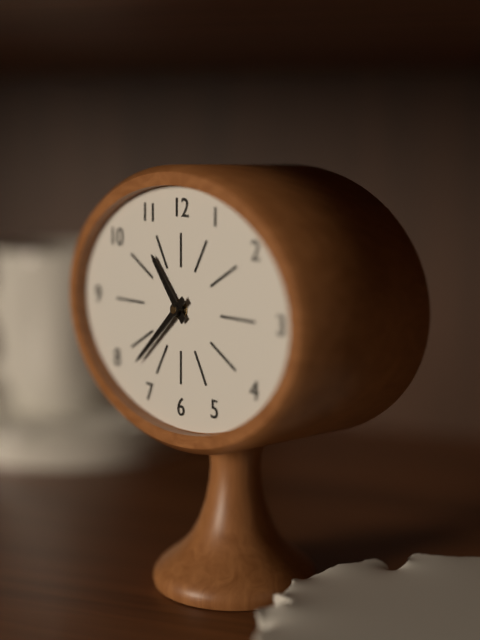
10:38
